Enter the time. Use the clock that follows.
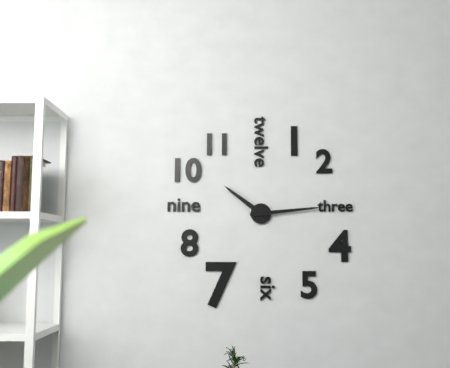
10:14
